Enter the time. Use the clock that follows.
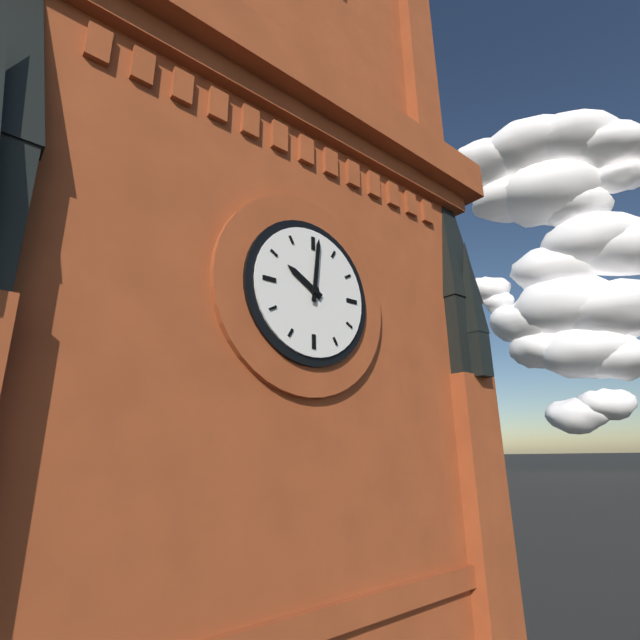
10:01
